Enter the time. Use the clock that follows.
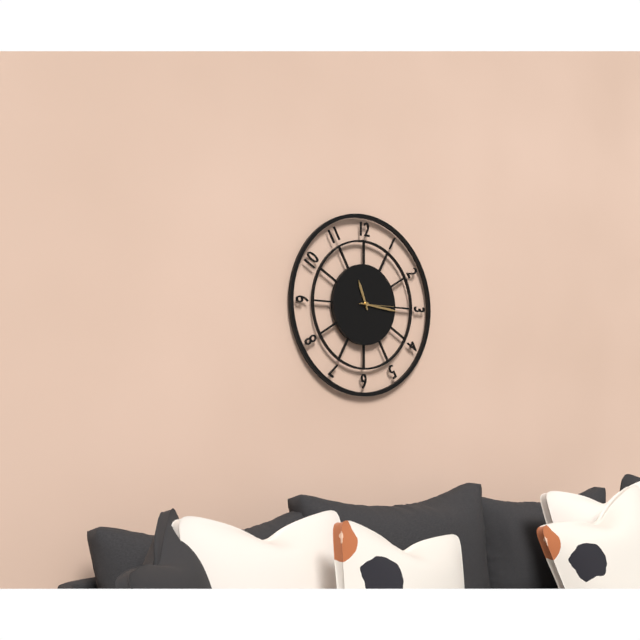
11:16
